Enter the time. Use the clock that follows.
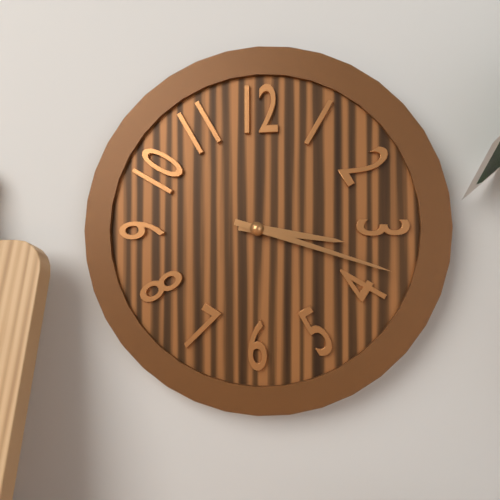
3:18
